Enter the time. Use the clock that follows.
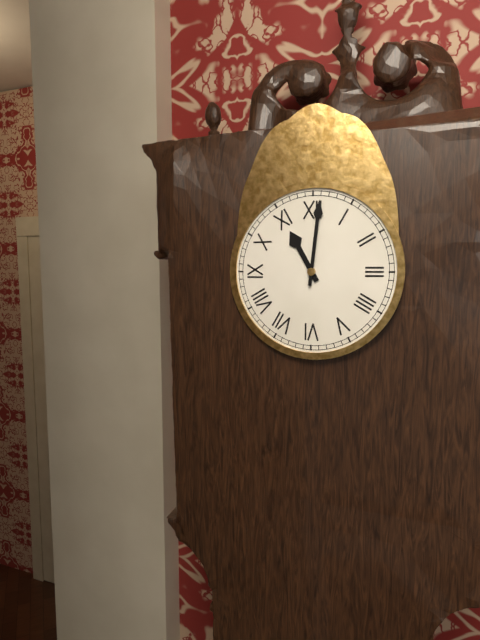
11:01
